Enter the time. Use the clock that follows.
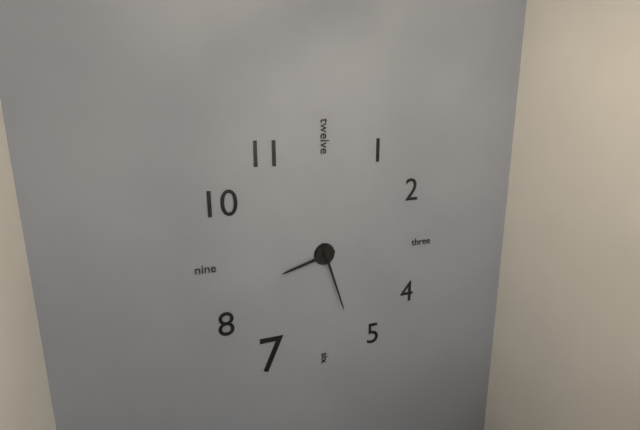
8:27
